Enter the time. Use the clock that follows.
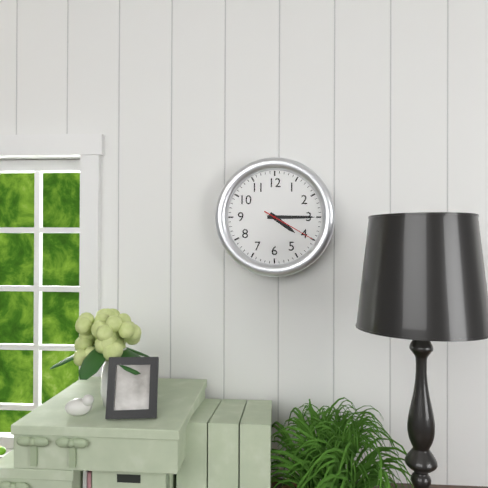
4:15:20
